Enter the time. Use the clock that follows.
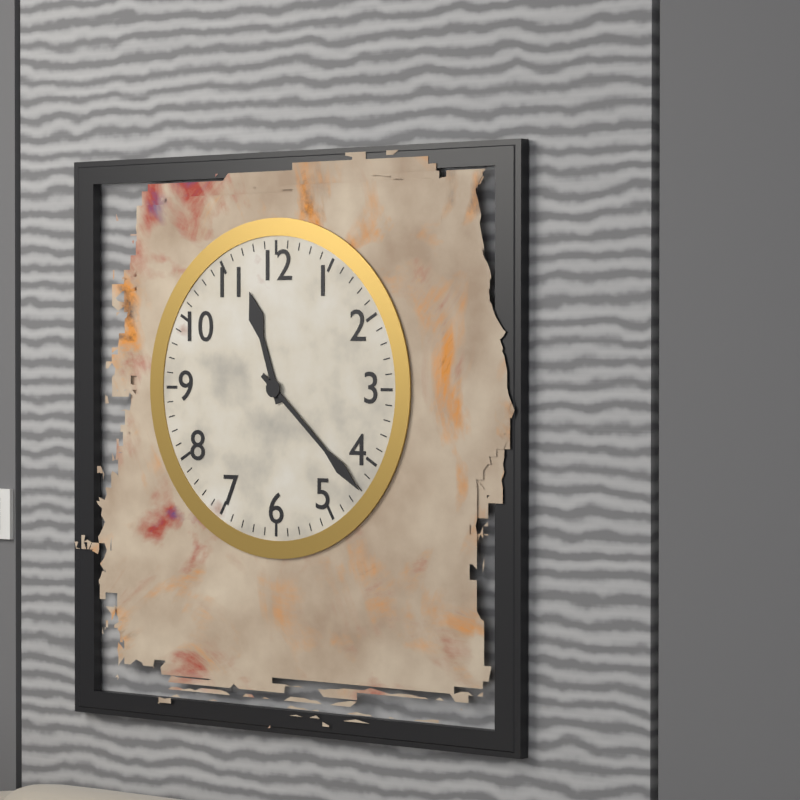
11:22
